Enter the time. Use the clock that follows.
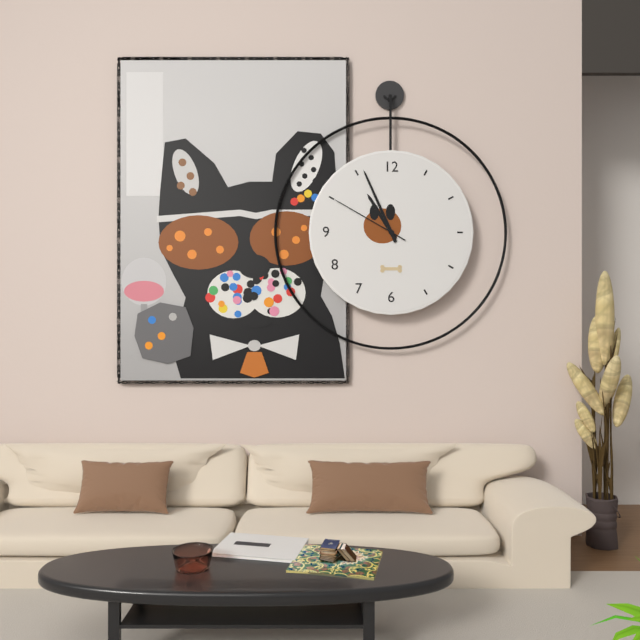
10:56:50
